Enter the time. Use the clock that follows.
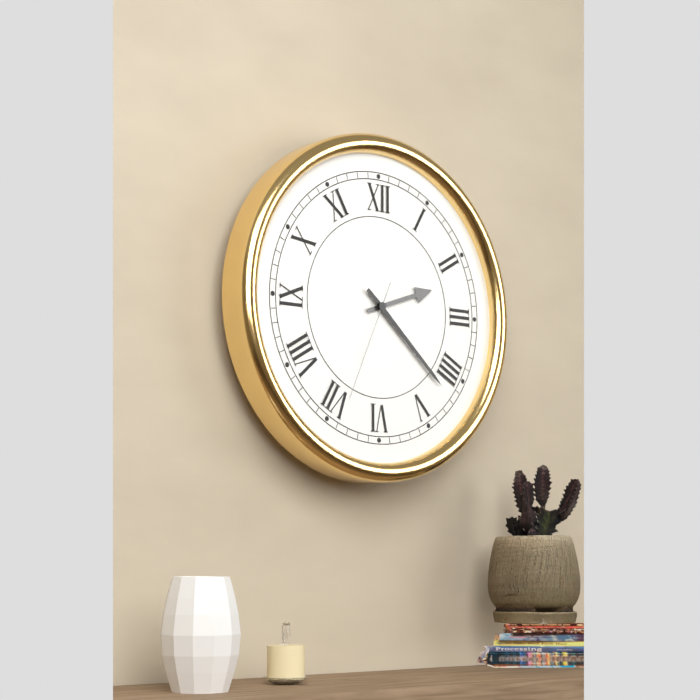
2:22:34
